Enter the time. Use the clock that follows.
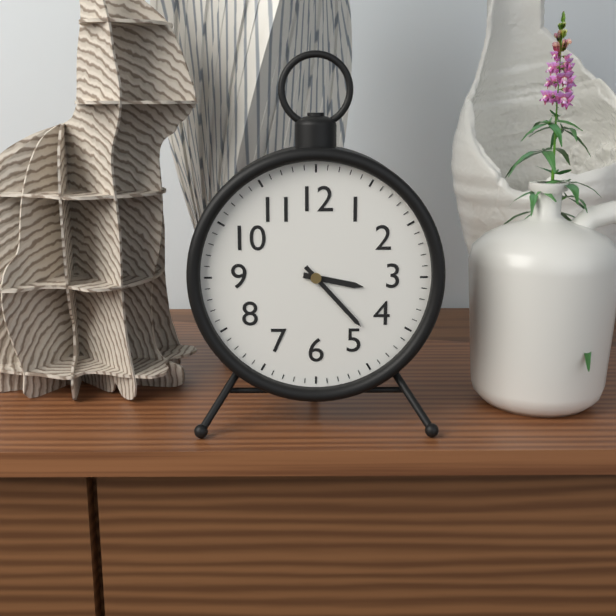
3:23
